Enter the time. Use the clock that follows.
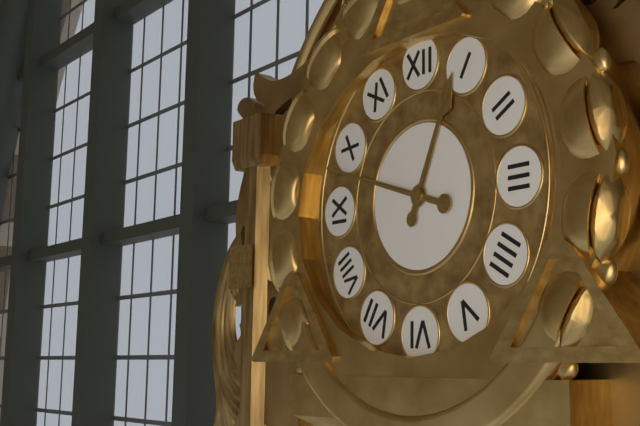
12:48
